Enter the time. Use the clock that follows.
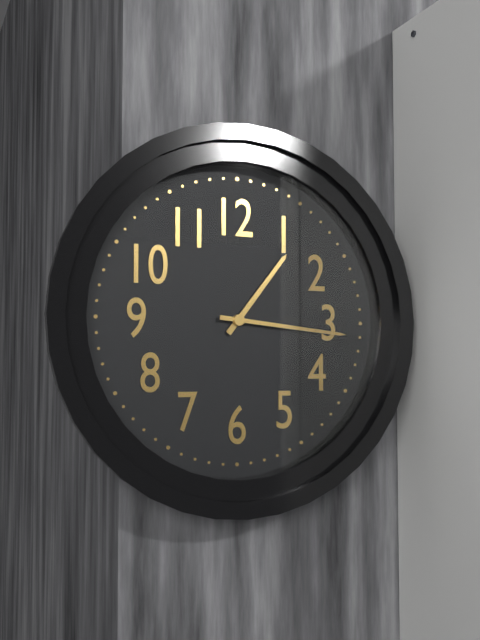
1:16
